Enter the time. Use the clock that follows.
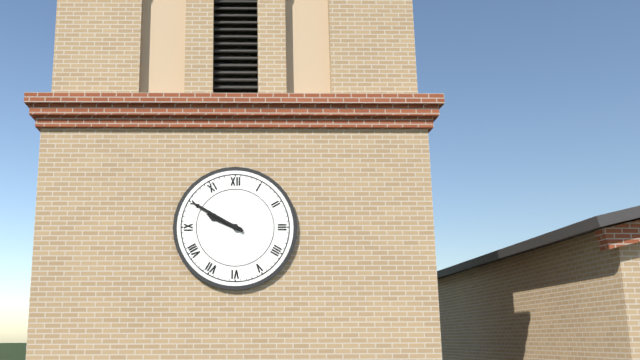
9:50
